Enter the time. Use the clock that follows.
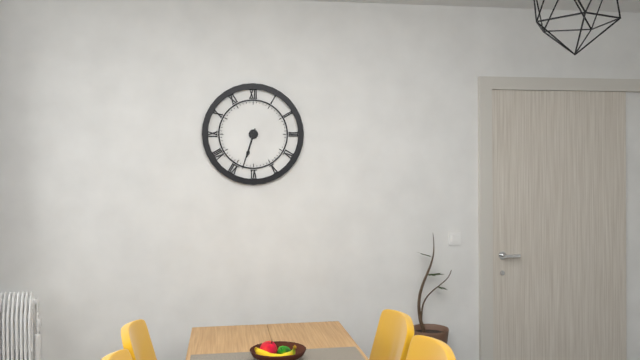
6:33
